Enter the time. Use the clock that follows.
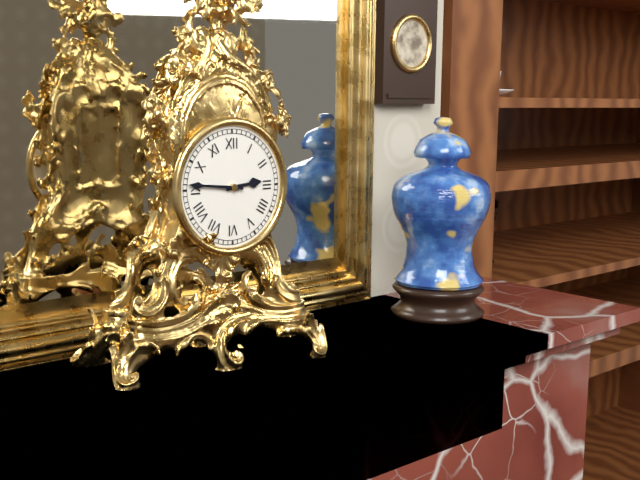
2:46
